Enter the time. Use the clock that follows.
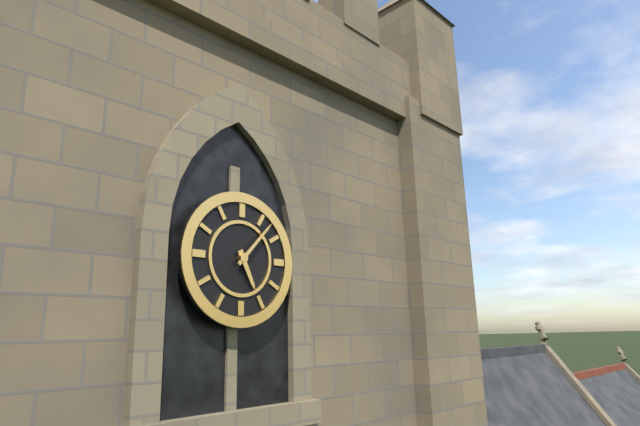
5:07
